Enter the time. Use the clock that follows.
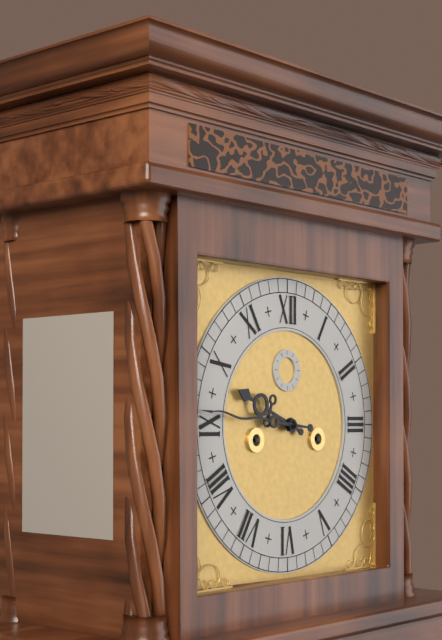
9:46
